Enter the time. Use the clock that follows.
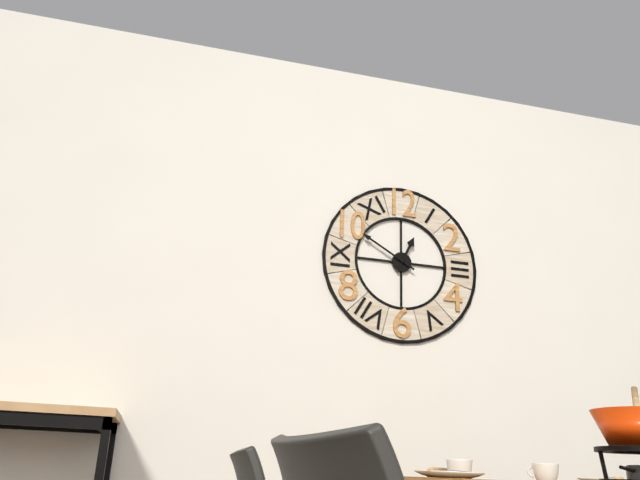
12:50
